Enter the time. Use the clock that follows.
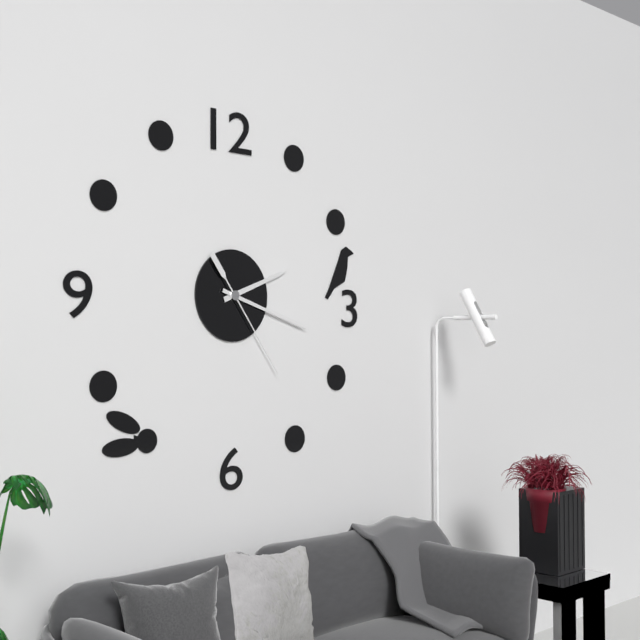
2:18:24
